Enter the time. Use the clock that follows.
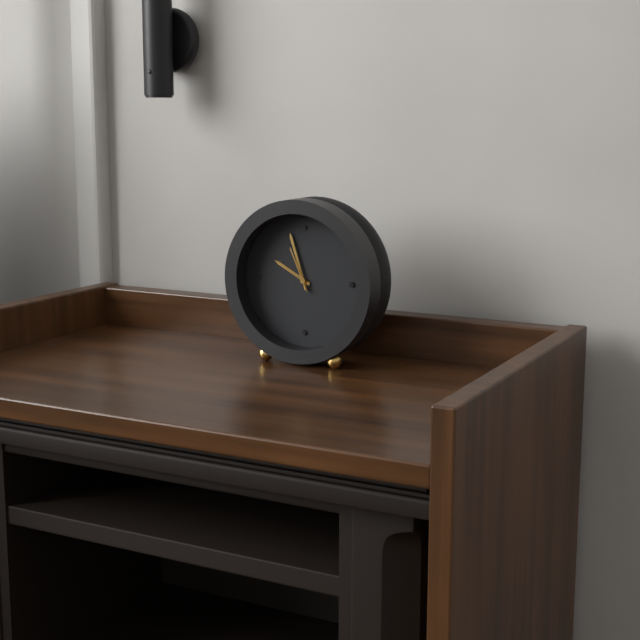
9:57
